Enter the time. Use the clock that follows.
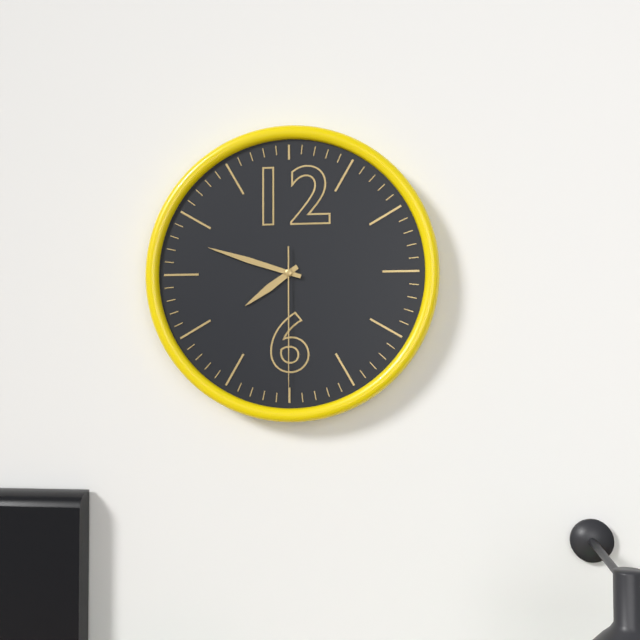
7:48:30
